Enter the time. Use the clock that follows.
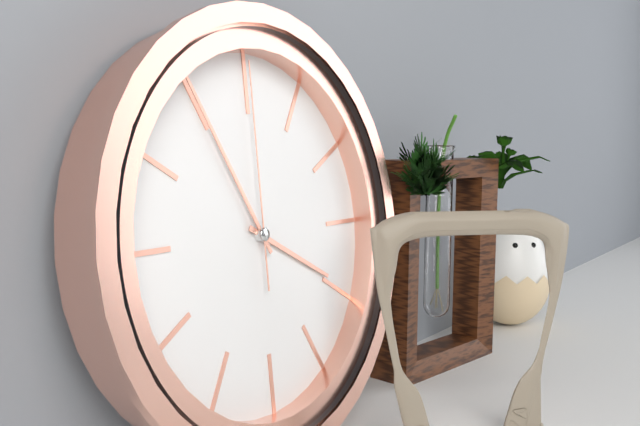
3:55:00
